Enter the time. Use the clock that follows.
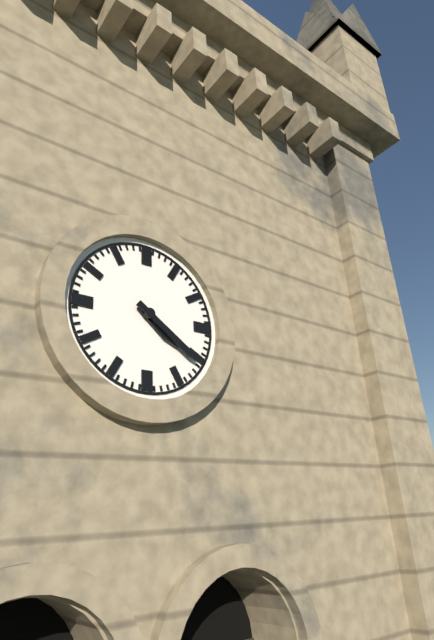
4:21
